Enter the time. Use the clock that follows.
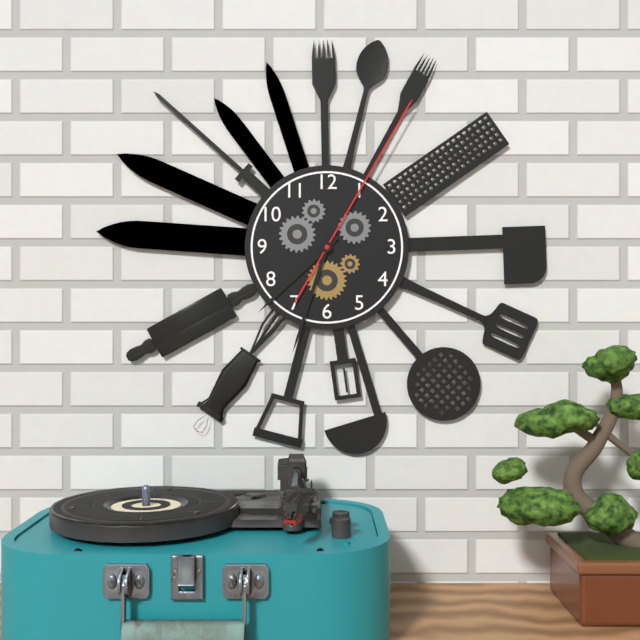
7:33:05
